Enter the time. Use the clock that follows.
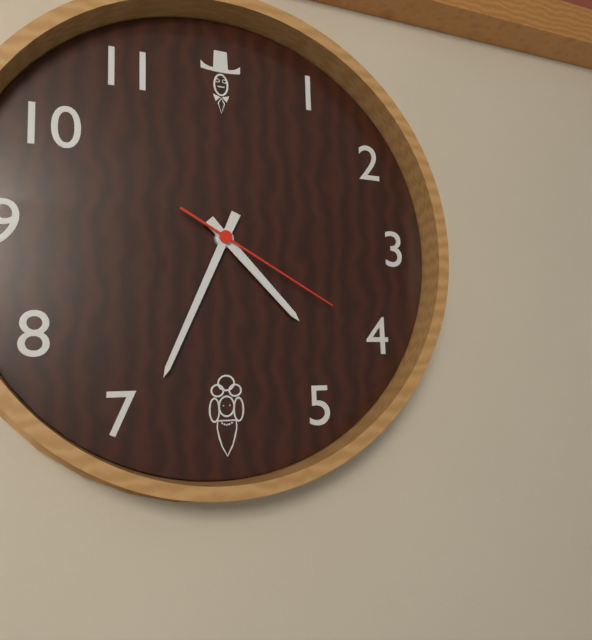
4:34:20
